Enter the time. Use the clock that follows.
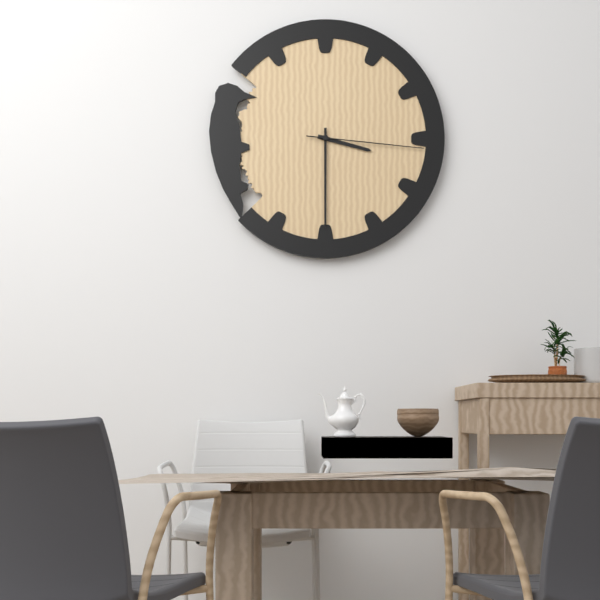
3:30:16
